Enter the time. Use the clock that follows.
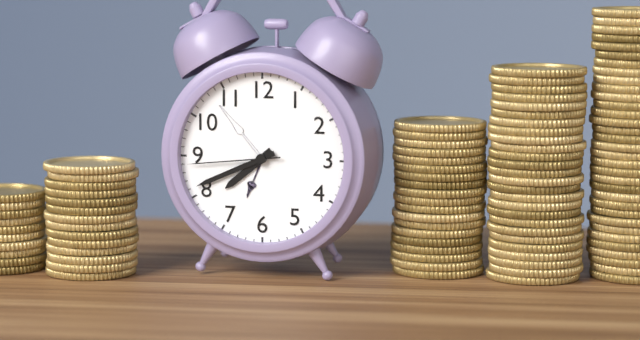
7:41:44
